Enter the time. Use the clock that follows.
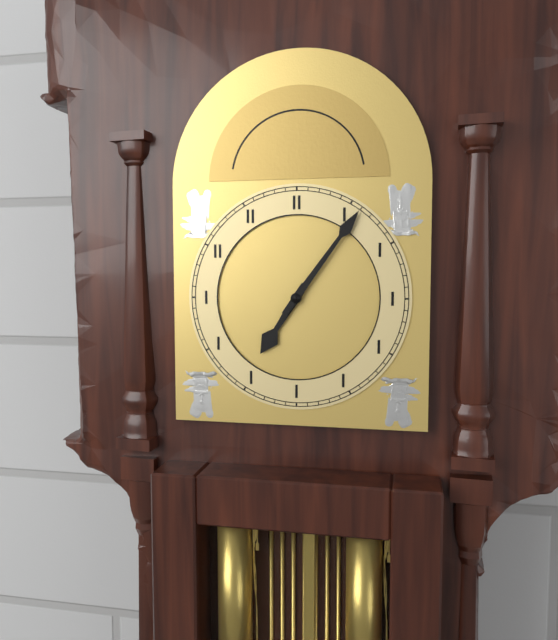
7:06
